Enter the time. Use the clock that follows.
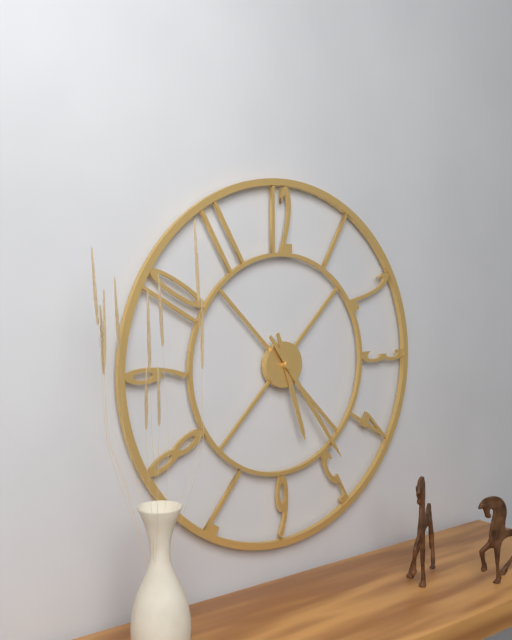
5:24
